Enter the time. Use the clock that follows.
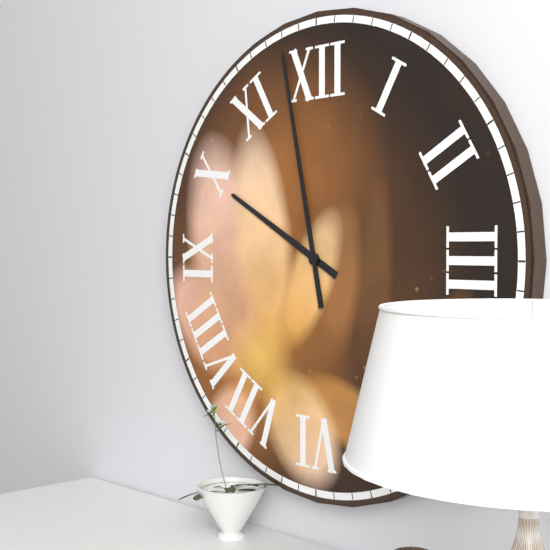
9:58
